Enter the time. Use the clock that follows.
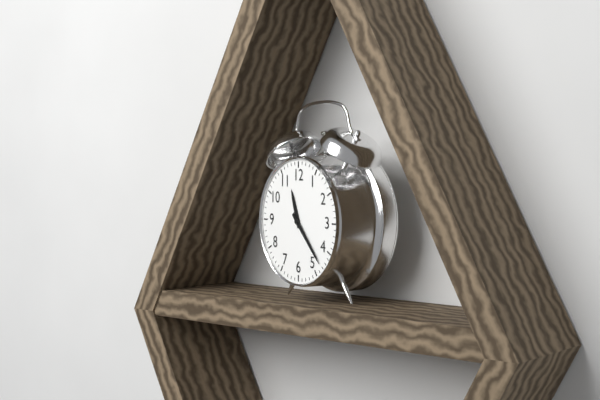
11:23
